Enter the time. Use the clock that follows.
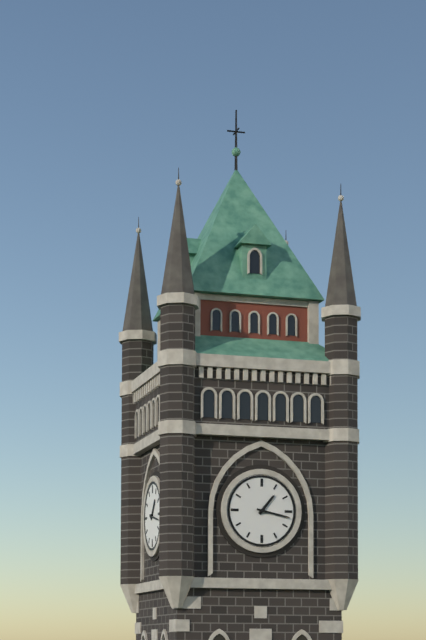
1:17
